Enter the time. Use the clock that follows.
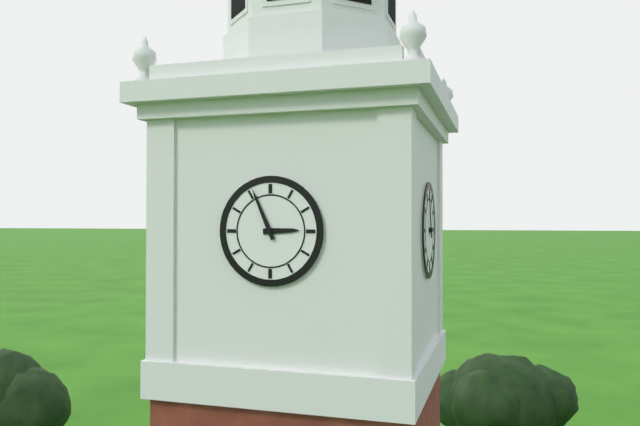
2:56
